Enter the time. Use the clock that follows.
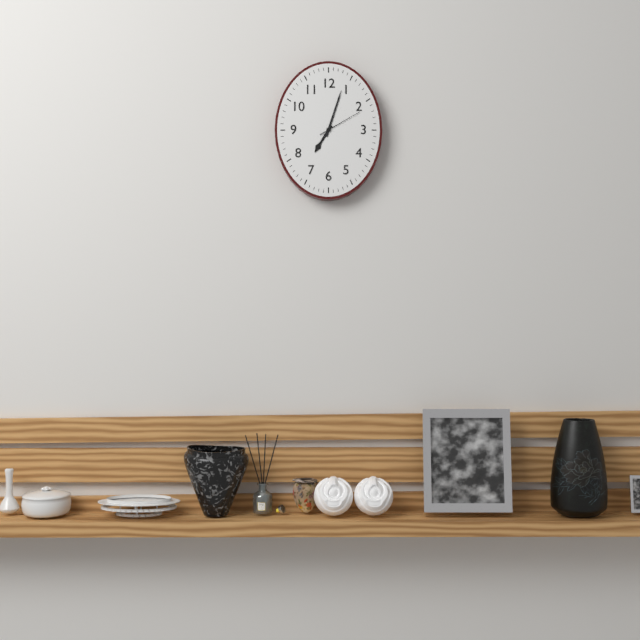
7:03
